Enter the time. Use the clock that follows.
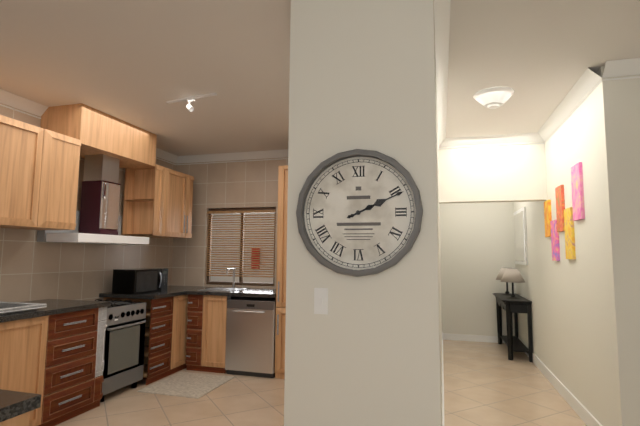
2:11
